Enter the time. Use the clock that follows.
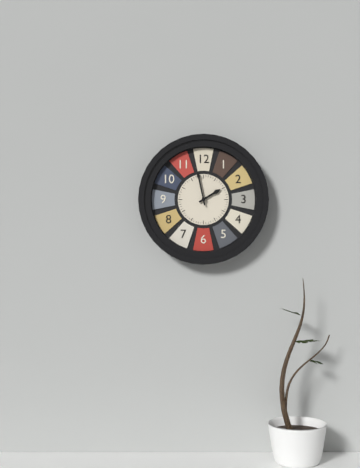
1:58
